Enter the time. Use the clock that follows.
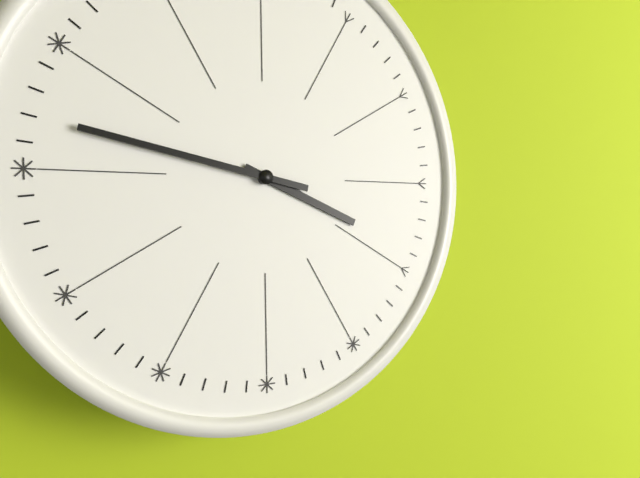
3:47
